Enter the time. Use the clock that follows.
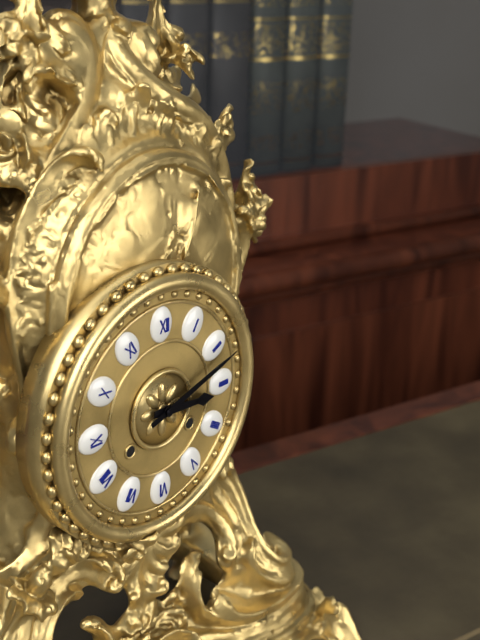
3:12
